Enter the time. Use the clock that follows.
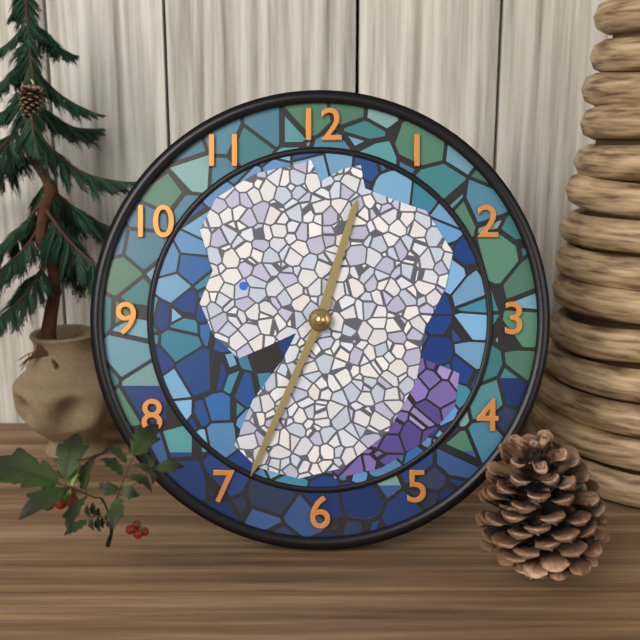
12:34
